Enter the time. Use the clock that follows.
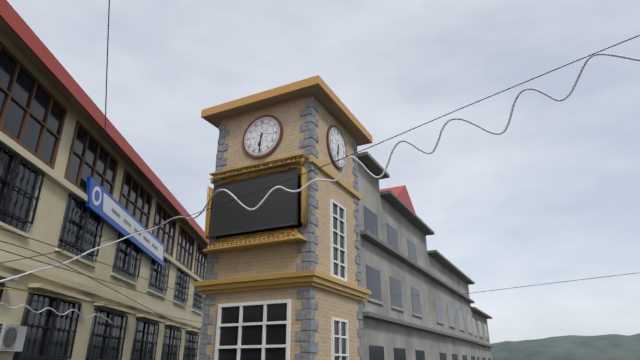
6:31
